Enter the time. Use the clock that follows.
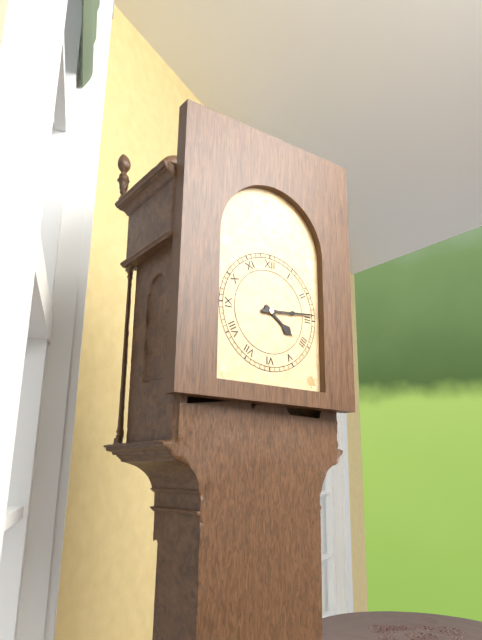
4:14
